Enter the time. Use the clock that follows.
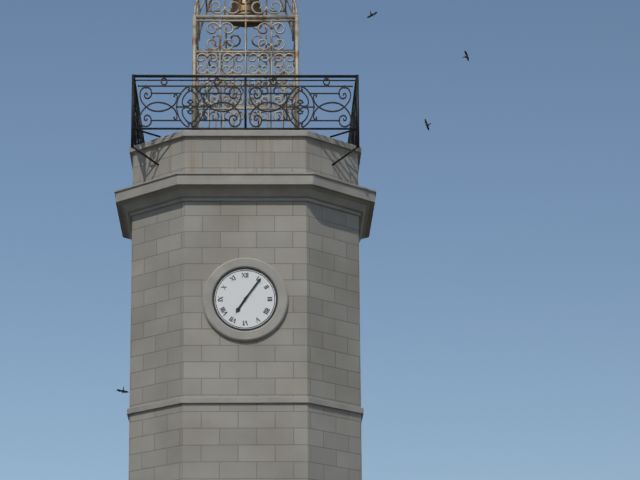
7:06
